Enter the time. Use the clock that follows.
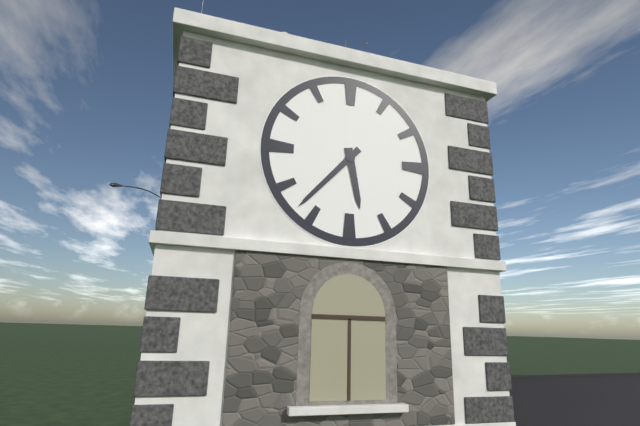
5:37
